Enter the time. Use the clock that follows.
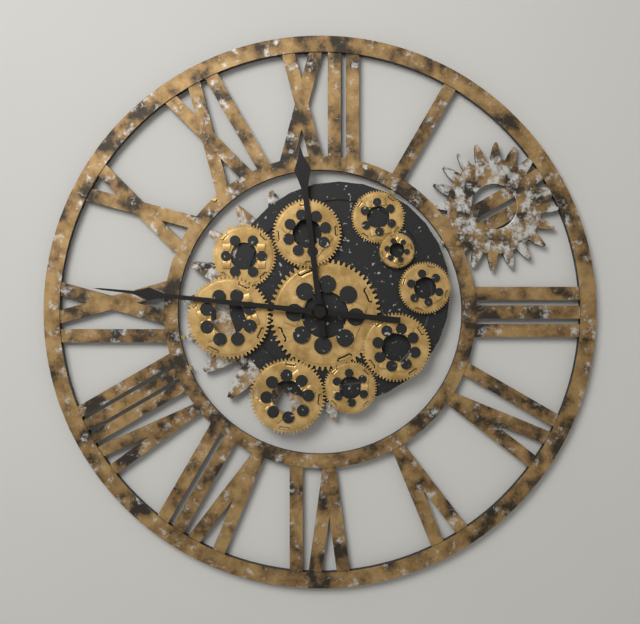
11:46
